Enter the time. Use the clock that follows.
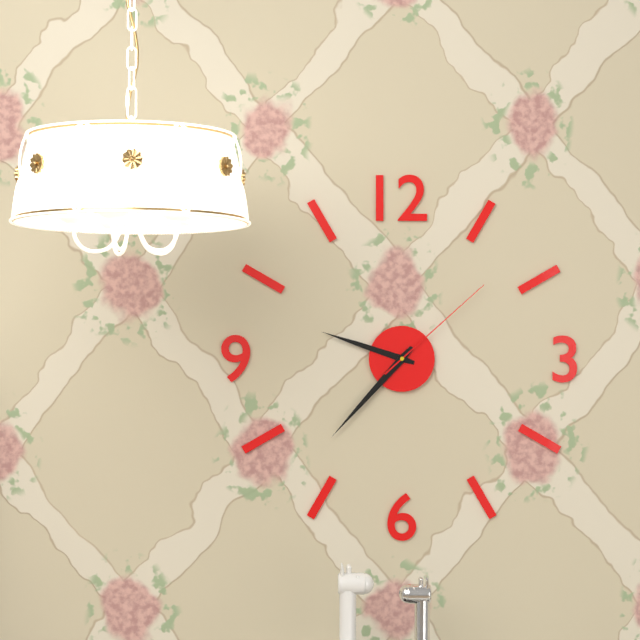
9:37:08
